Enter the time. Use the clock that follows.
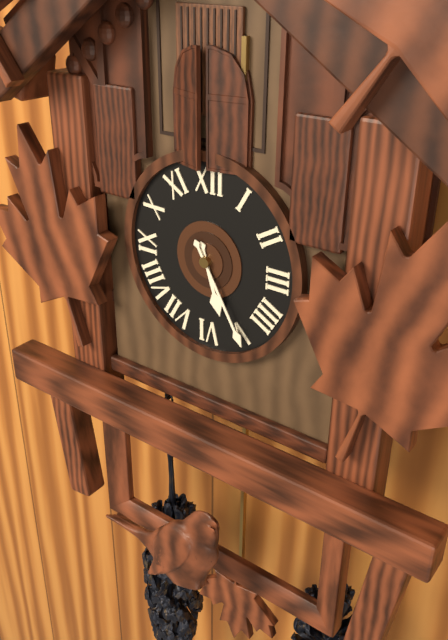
5:25
